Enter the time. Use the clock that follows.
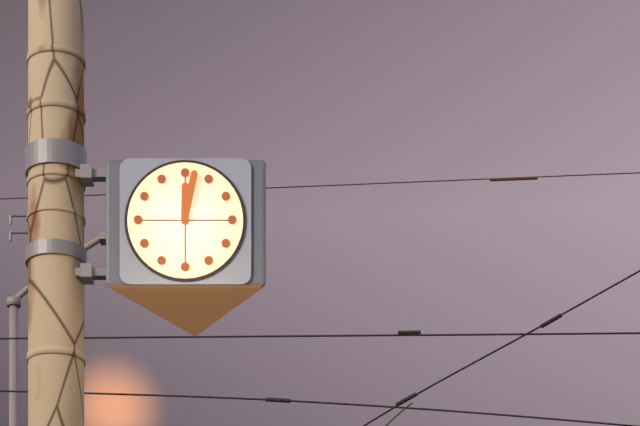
12:02
